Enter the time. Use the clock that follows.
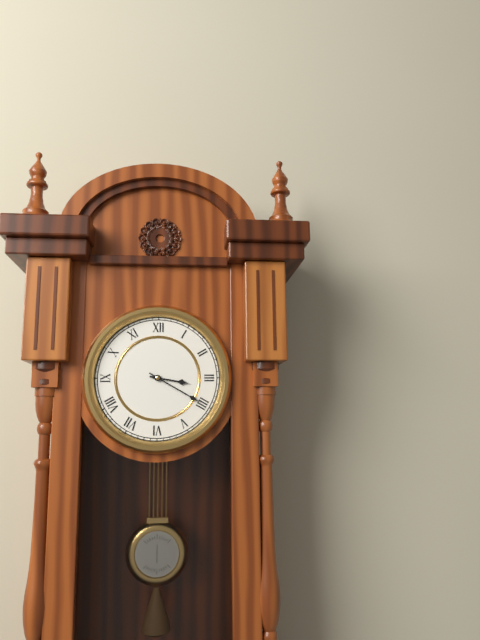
3:20
